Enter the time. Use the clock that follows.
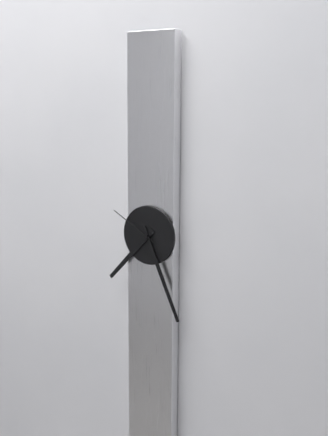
7:26:50
